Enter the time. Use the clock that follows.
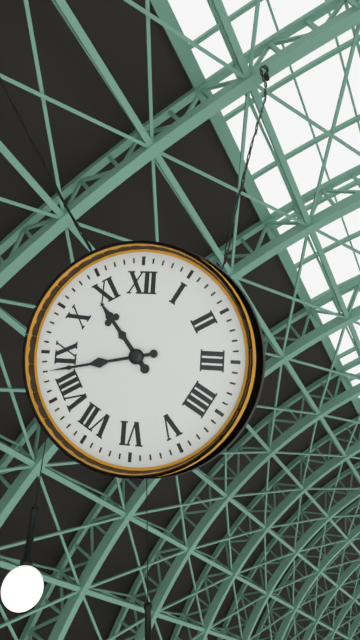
10:43
